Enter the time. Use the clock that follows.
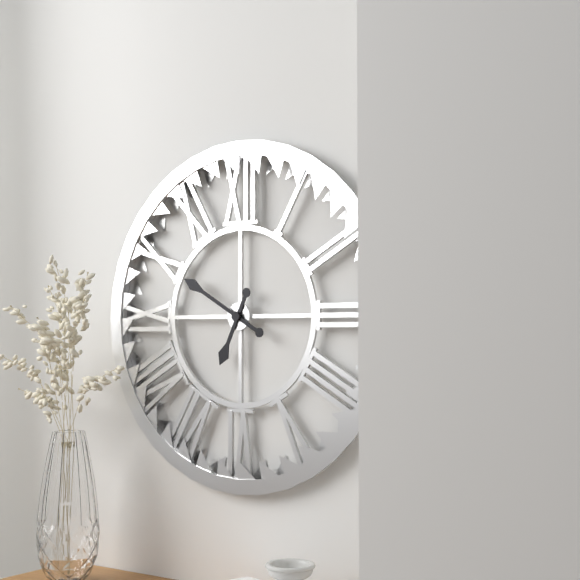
6:50
